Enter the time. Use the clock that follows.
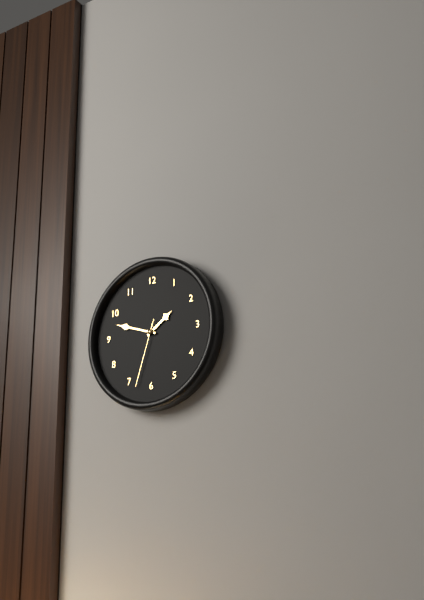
1:48:33
